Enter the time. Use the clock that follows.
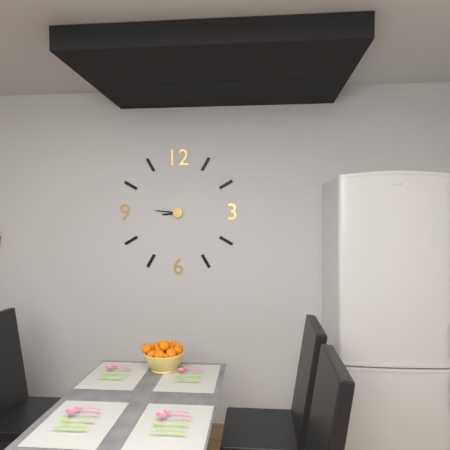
8:46
